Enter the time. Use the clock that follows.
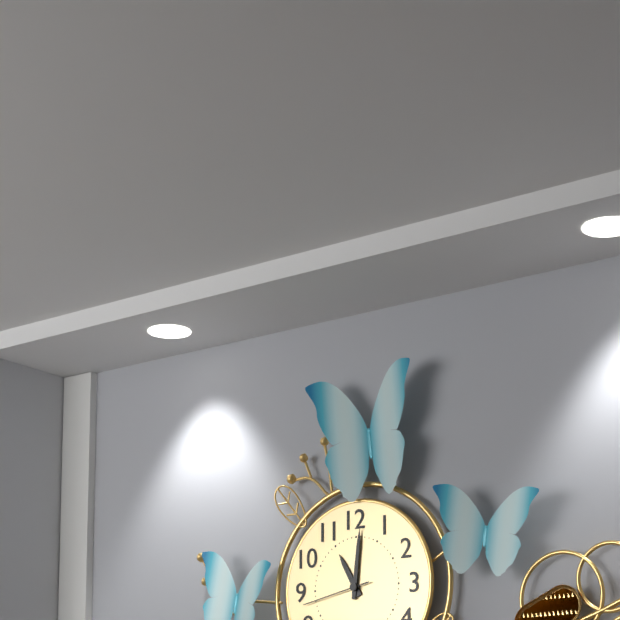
11:01:43
